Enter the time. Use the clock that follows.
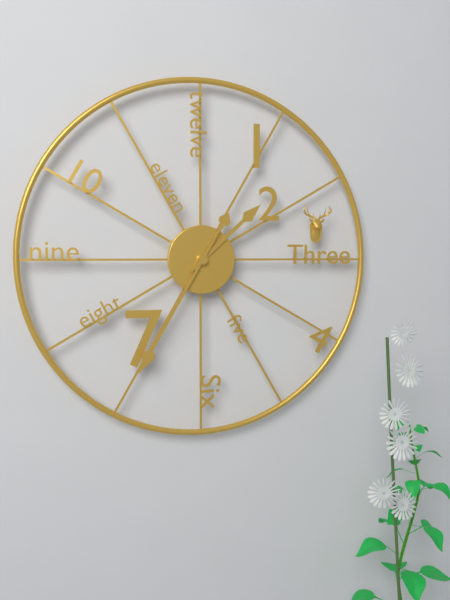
1:35
